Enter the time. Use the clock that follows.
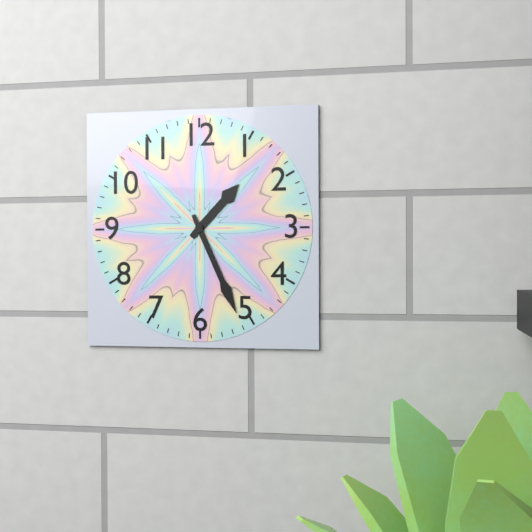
1:26
